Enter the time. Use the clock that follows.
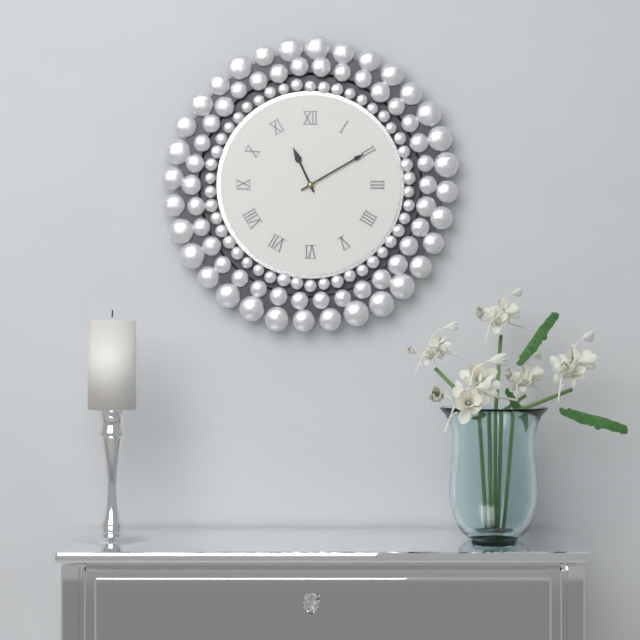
11:10
